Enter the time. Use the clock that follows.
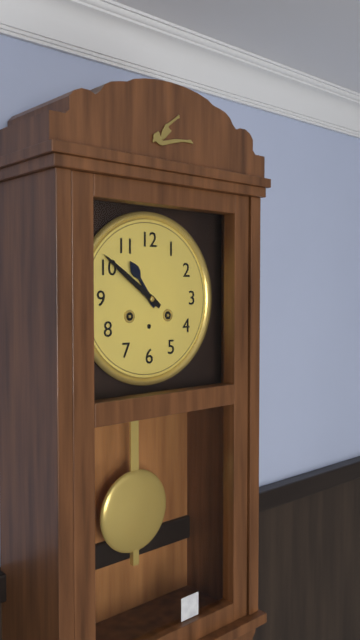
10:51
